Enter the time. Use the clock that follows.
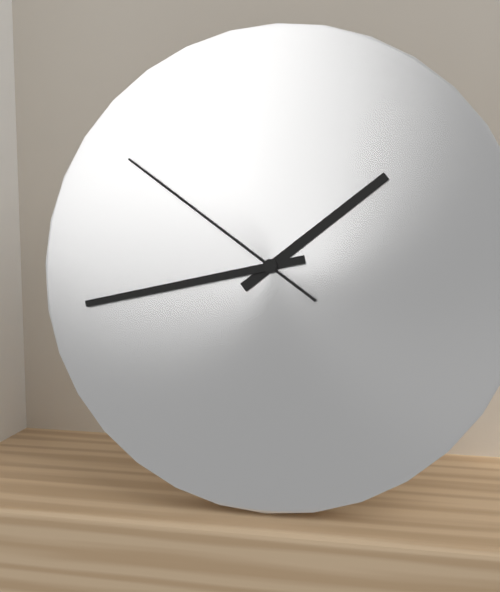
1:43:51
